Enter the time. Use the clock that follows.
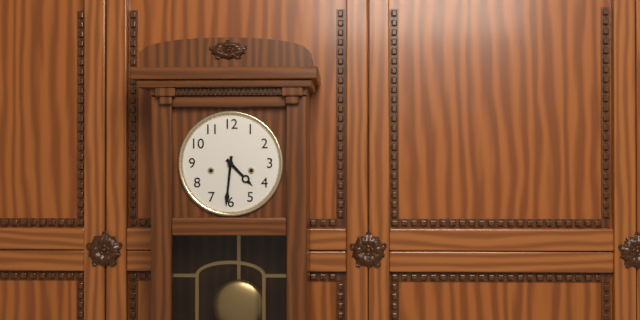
4:31
